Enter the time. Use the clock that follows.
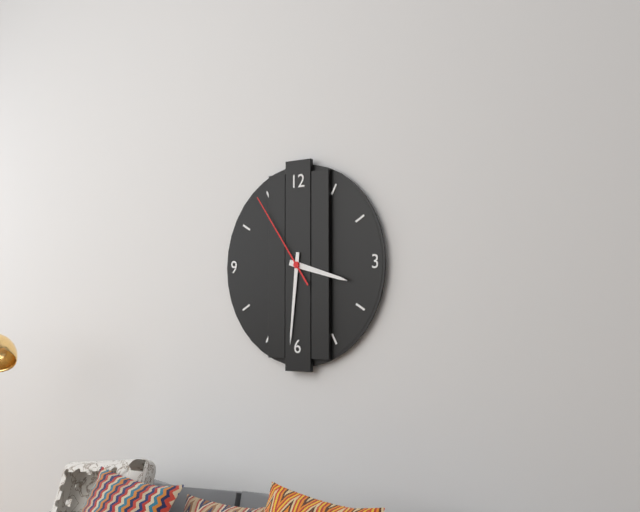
3:31:54
